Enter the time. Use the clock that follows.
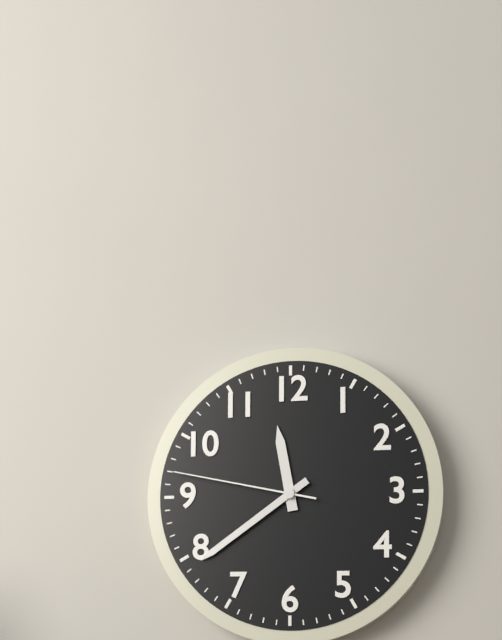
11:39:47
